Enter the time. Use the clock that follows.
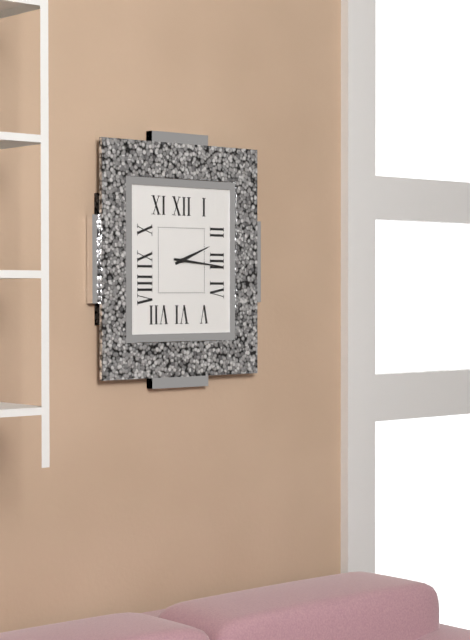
2:16
